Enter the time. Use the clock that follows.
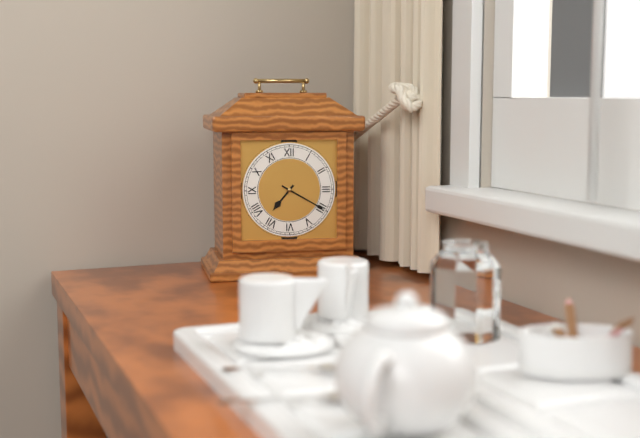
7:20
